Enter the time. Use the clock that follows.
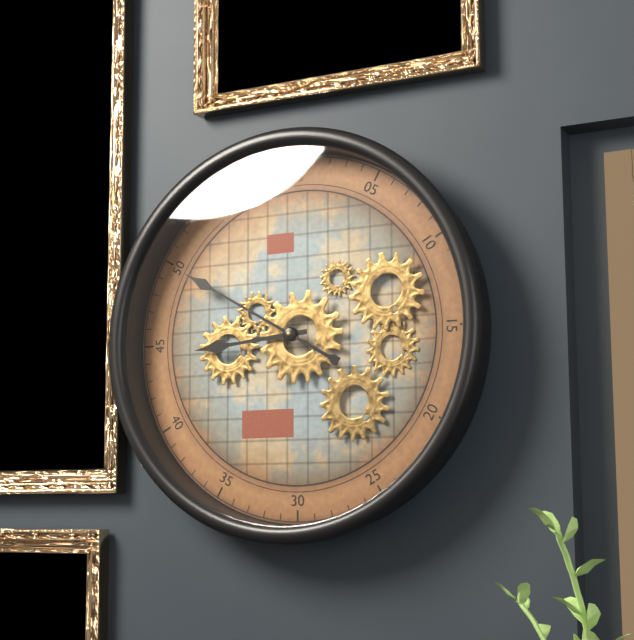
8:50
